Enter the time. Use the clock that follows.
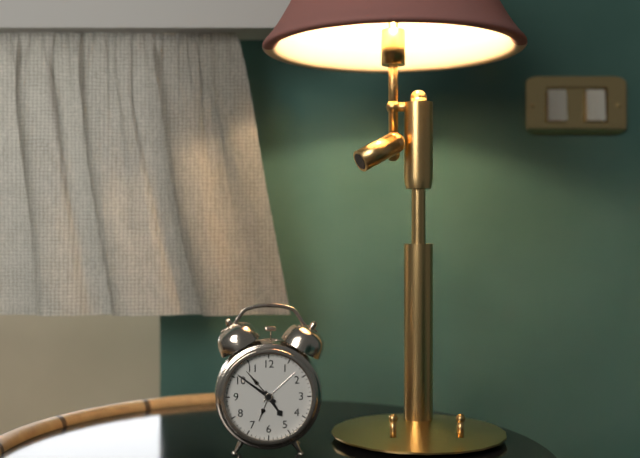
4:51
